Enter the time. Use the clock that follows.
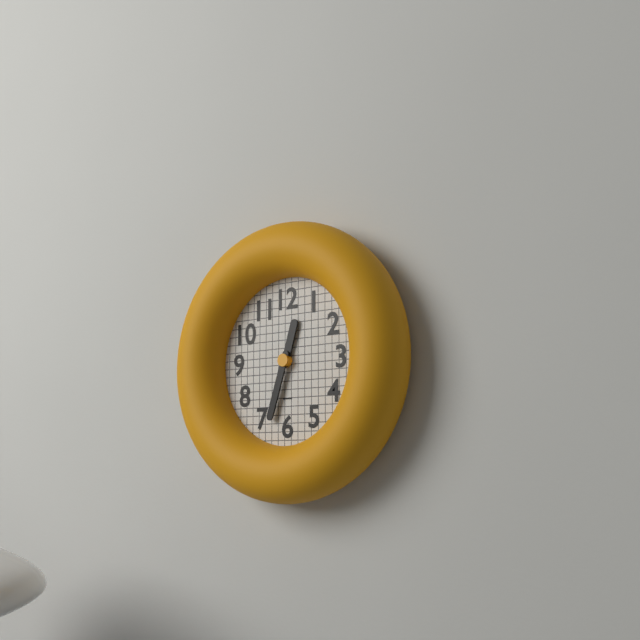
12:33
